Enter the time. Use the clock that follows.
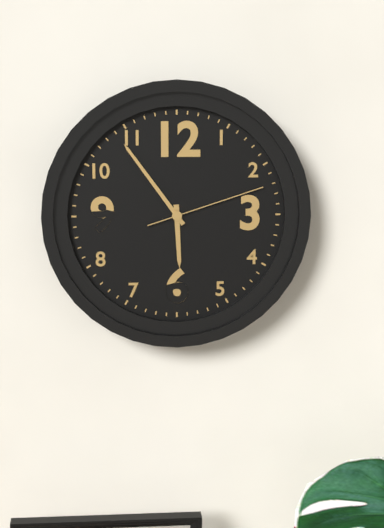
5:54:12
